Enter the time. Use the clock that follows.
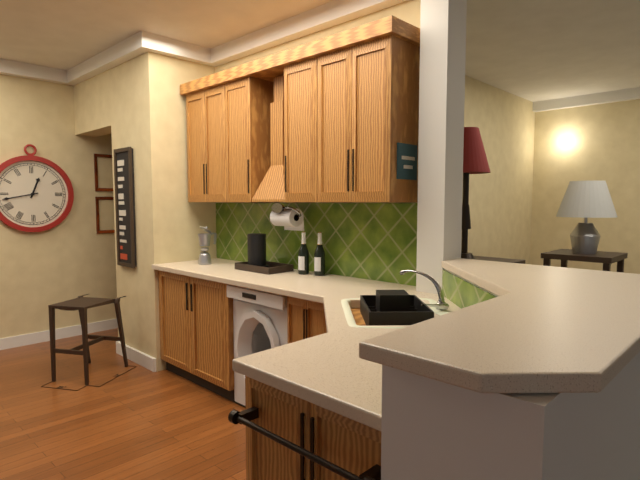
12:43
